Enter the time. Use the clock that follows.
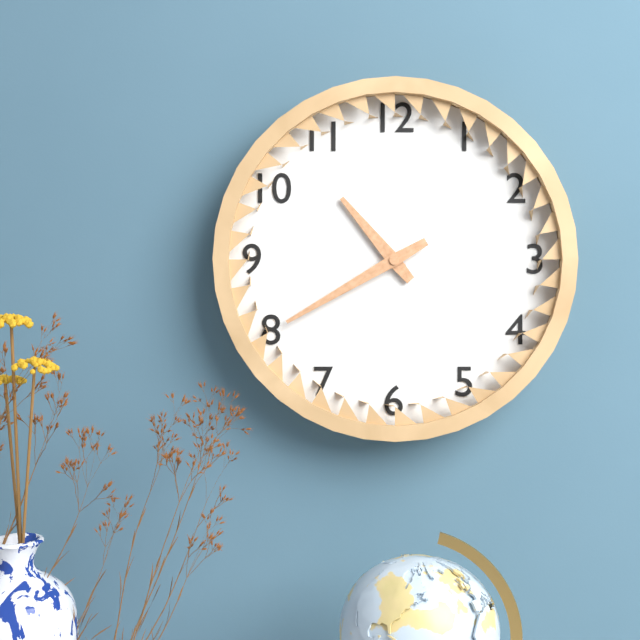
10:40
